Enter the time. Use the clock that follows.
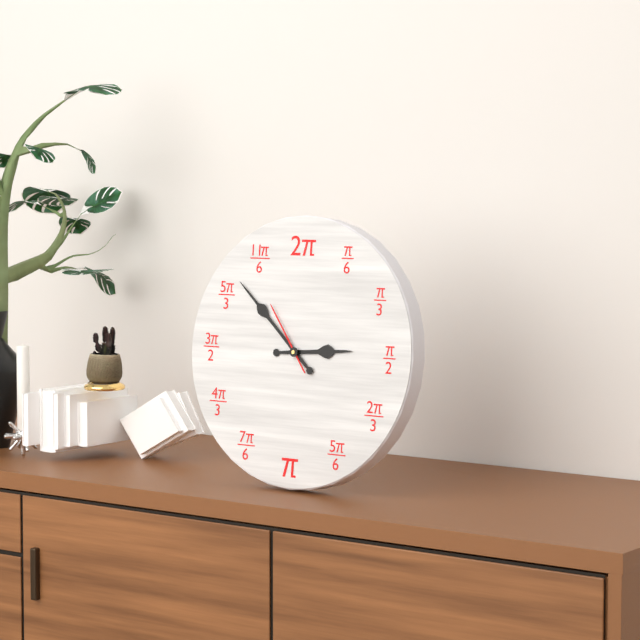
2:52:54
